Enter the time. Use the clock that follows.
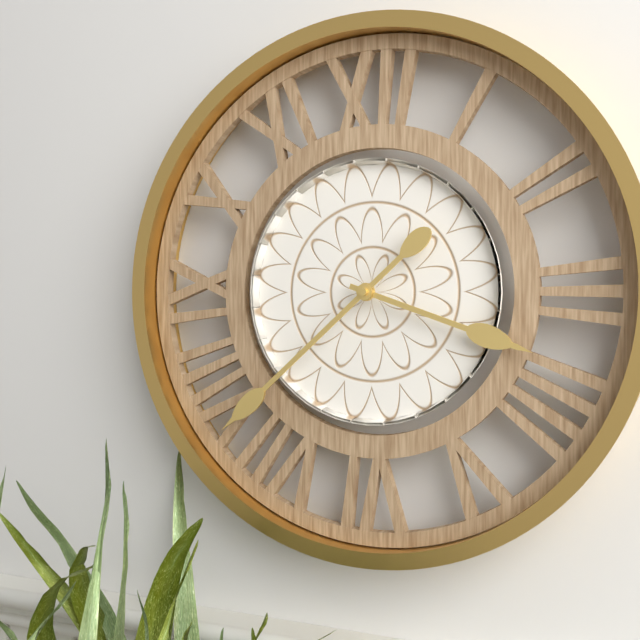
3:38
